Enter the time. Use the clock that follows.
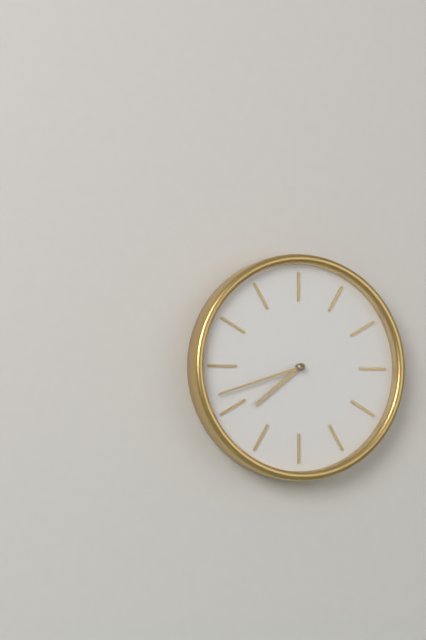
7:42
